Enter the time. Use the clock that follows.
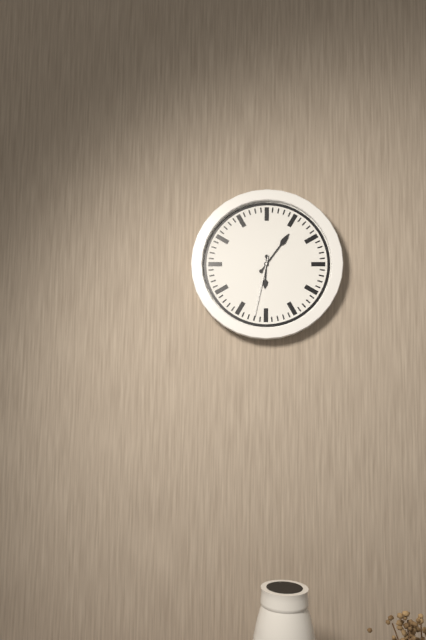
6:06:32
